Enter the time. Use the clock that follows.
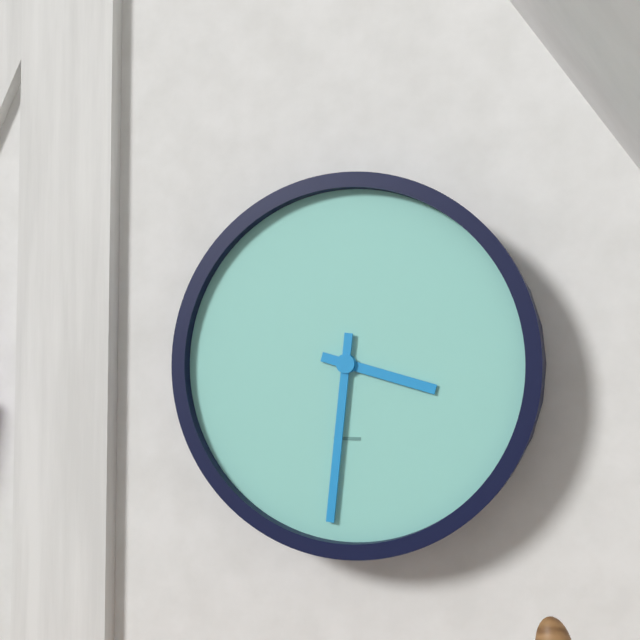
3:31
